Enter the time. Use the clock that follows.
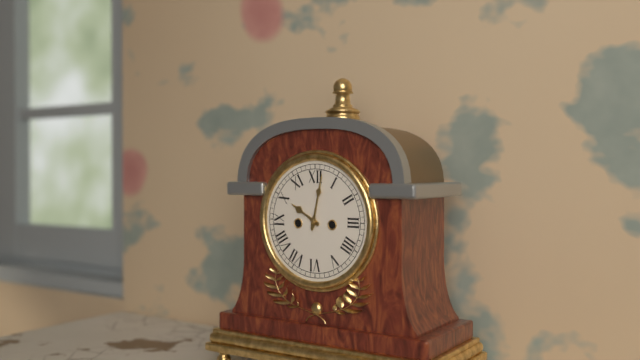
10:02
